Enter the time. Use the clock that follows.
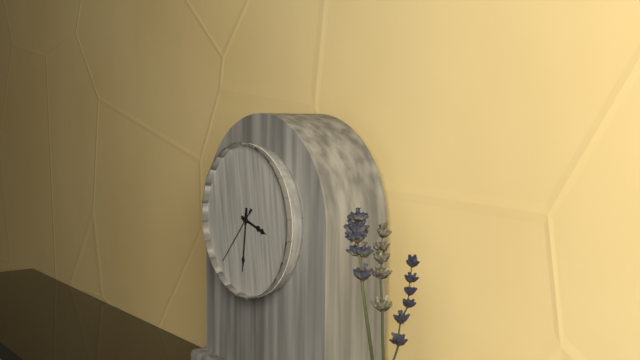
3:31:37
